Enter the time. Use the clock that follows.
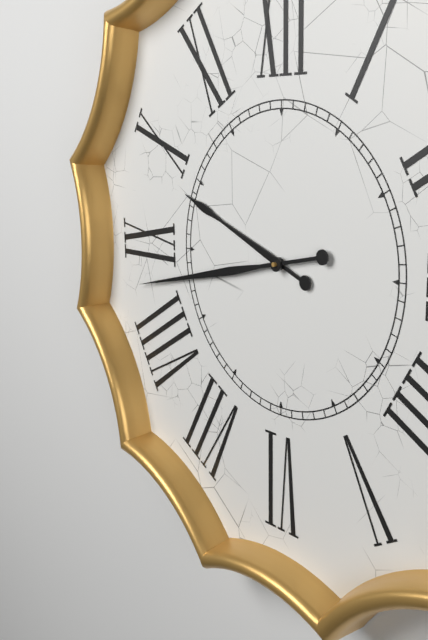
9:43
